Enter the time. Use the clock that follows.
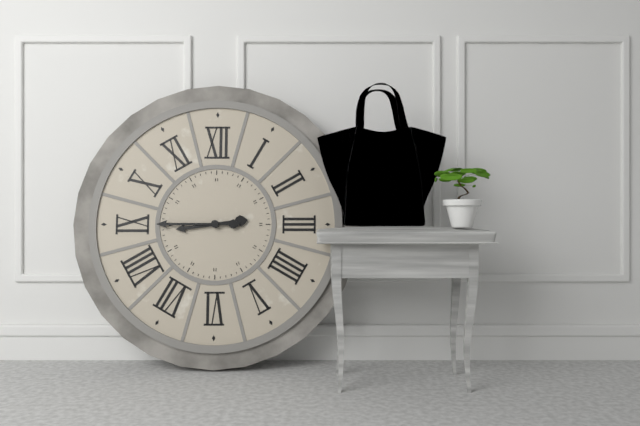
8:45
